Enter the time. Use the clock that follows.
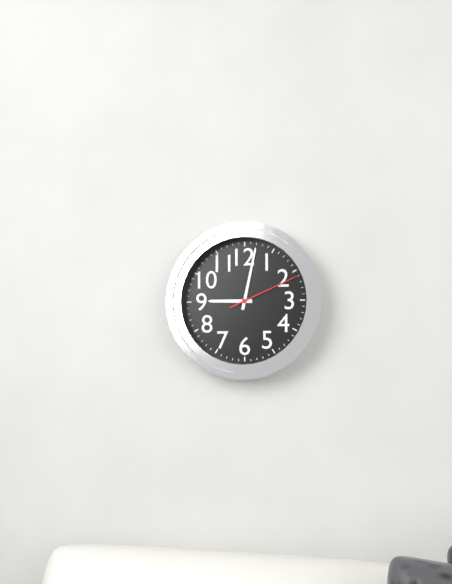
9:02:11
